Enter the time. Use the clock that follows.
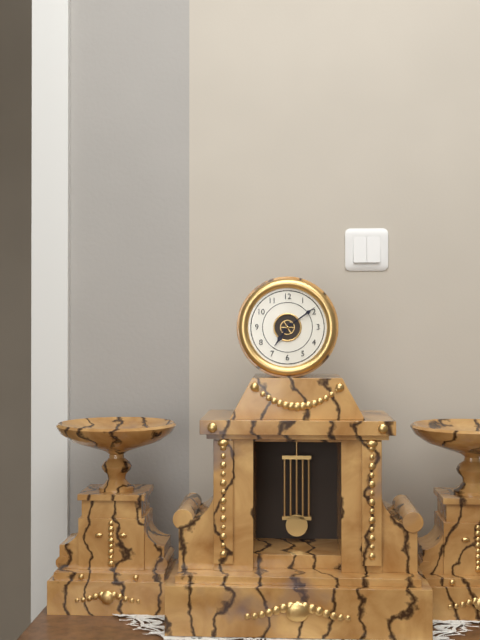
7:09
